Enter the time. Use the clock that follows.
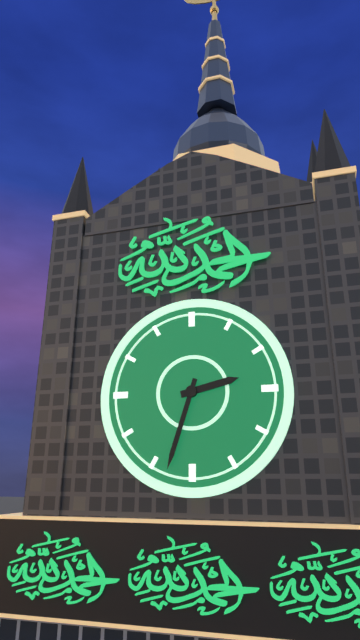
2:33
